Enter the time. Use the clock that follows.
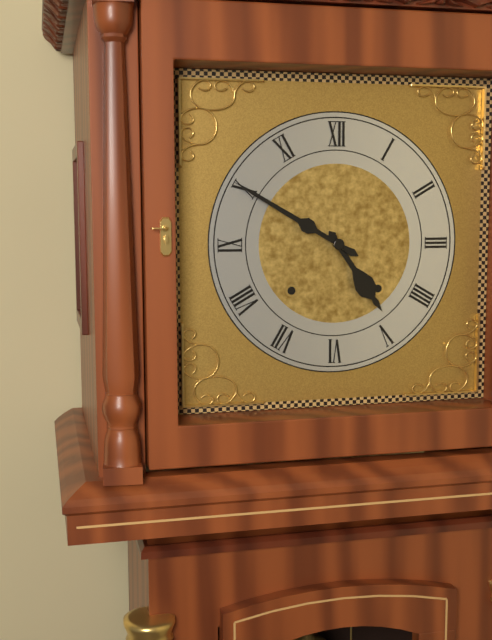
4:50
